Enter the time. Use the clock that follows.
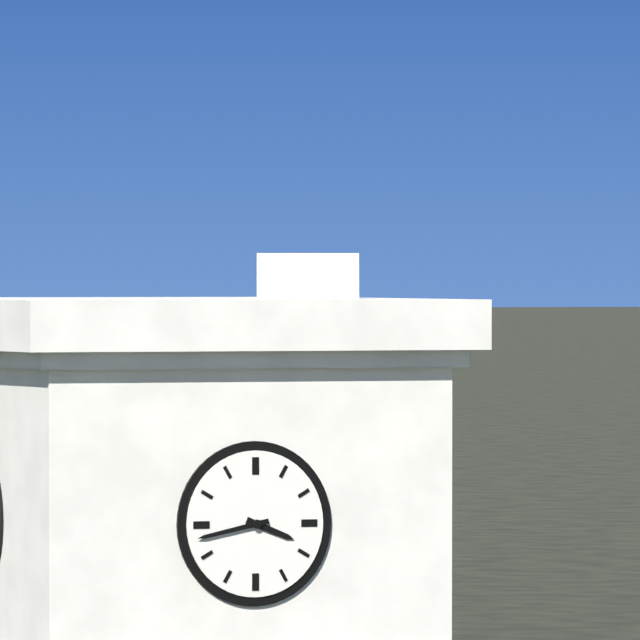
3:43
